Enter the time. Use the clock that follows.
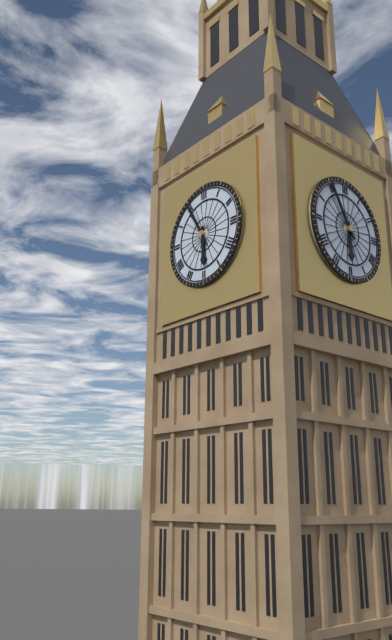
5:55
